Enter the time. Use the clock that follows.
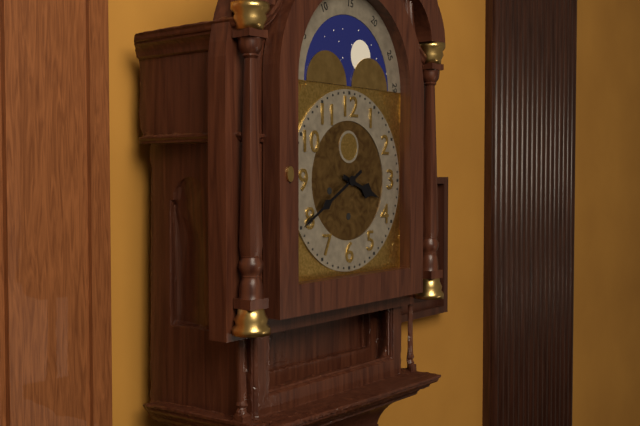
3:40
